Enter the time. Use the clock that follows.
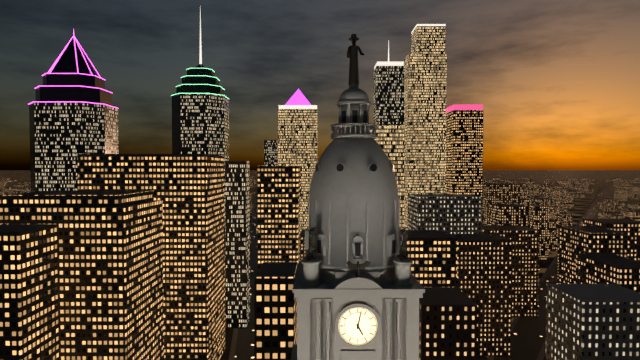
5:02
